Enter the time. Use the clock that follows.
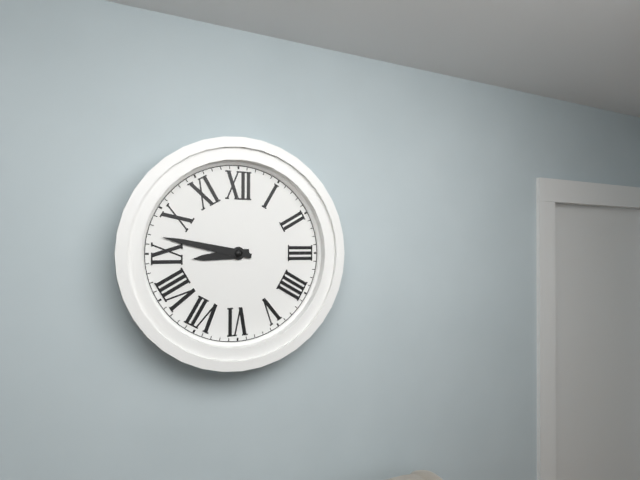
8:47
